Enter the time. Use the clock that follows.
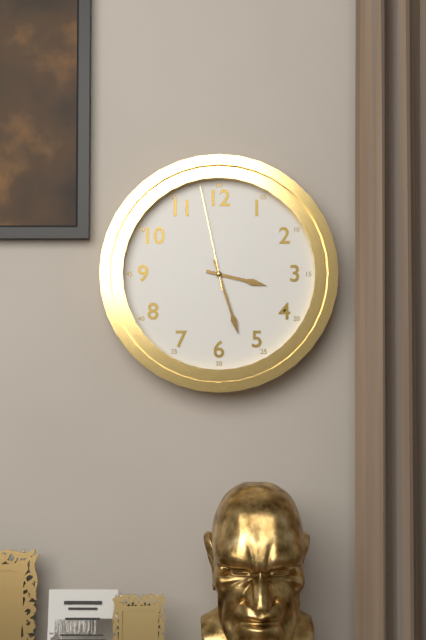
3:27:58
